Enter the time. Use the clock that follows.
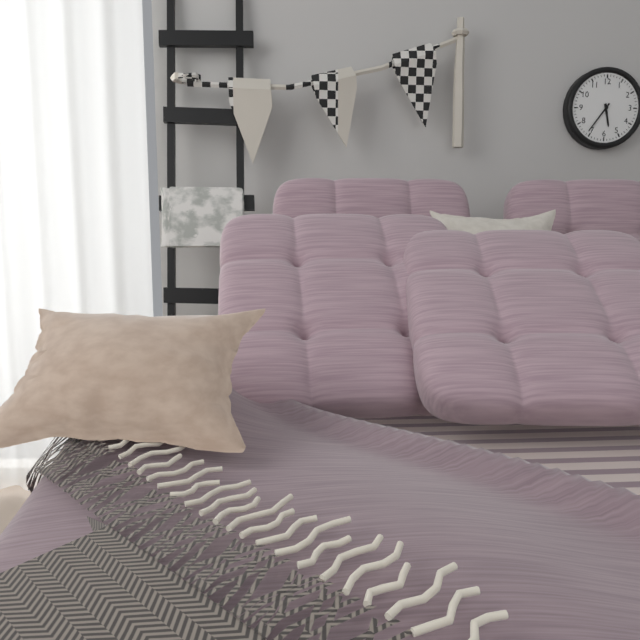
5:36
